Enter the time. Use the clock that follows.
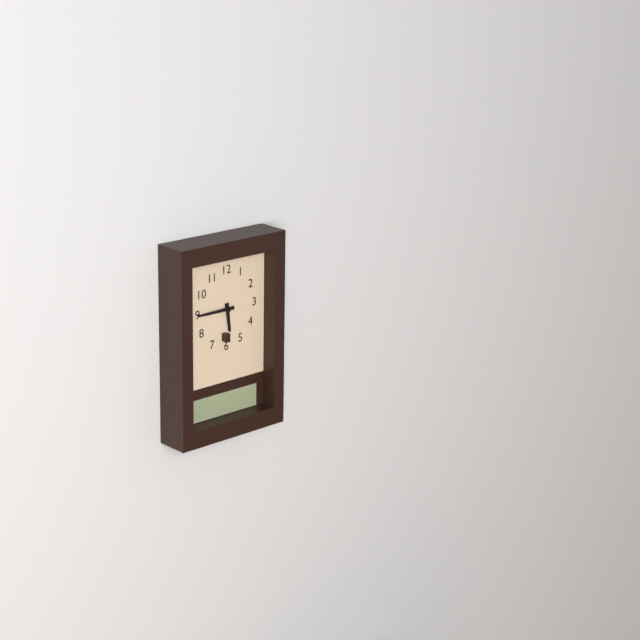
5:45
